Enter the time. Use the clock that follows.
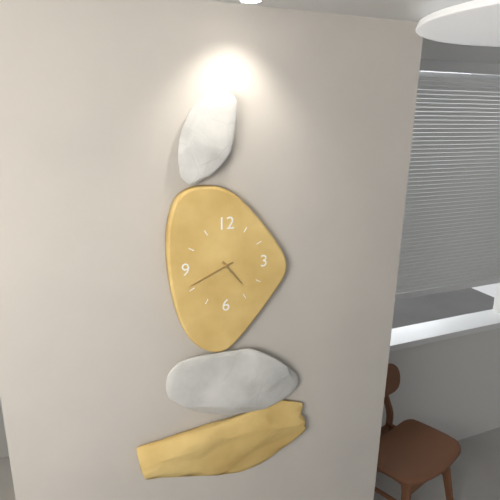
4:41
